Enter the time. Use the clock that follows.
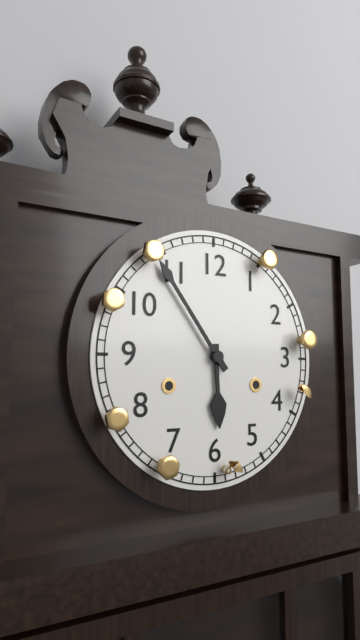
5:54
